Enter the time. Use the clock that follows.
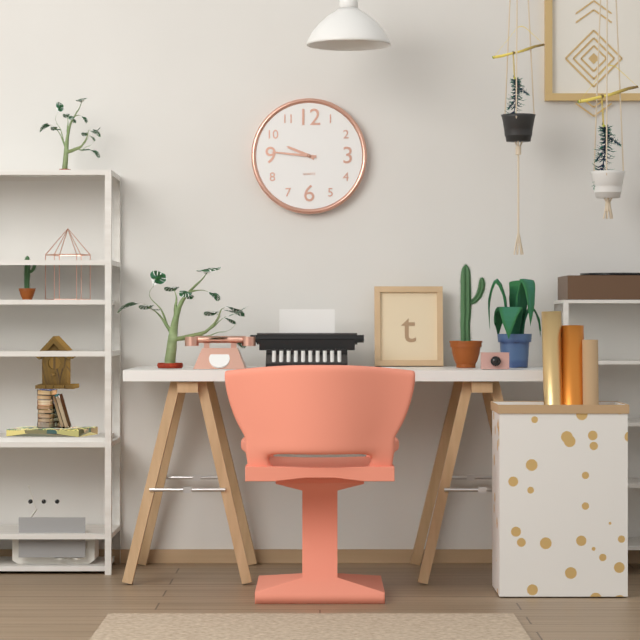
9:46
